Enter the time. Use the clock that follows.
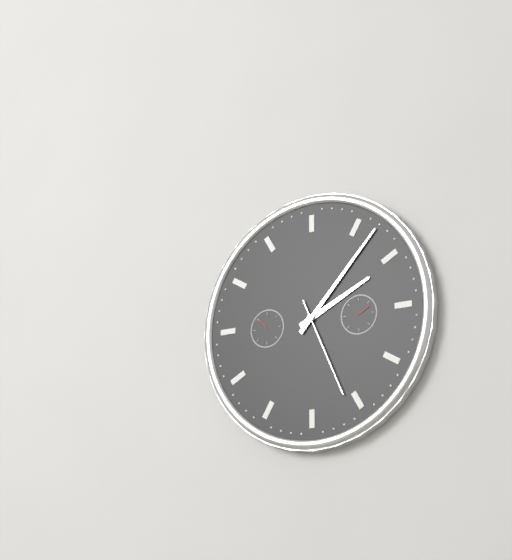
2:07:26
